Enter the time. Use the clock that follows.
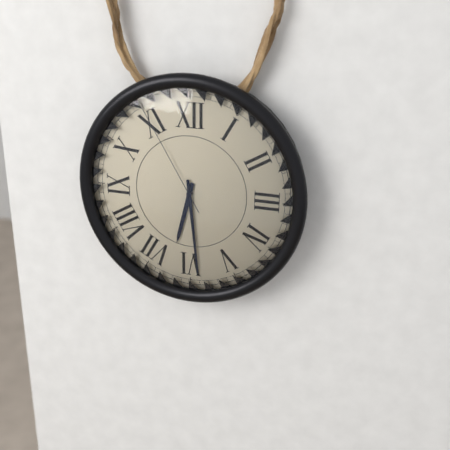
6:29:55
